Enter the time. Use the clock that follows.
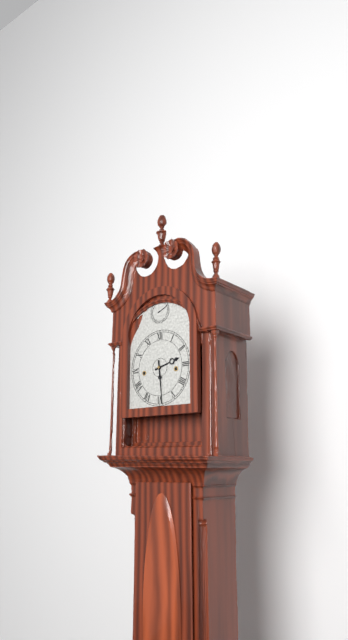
2:29
